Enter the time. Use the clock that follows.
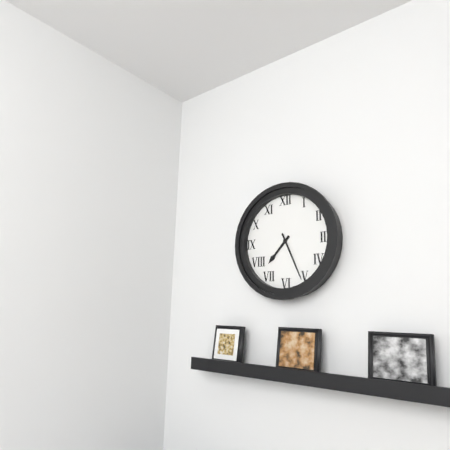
7:26
